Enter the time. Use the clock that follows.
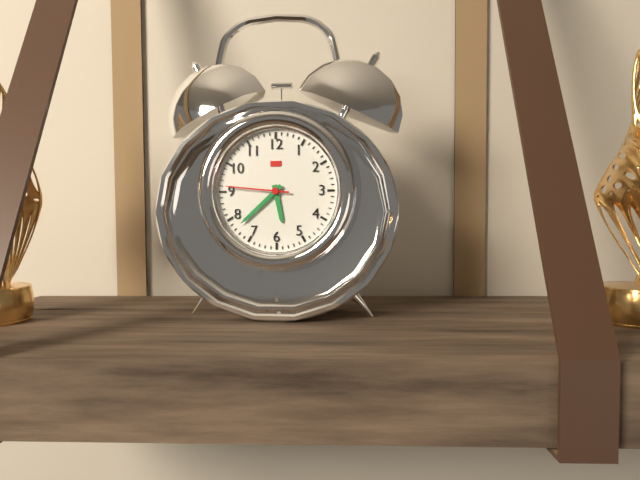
5:38:46
